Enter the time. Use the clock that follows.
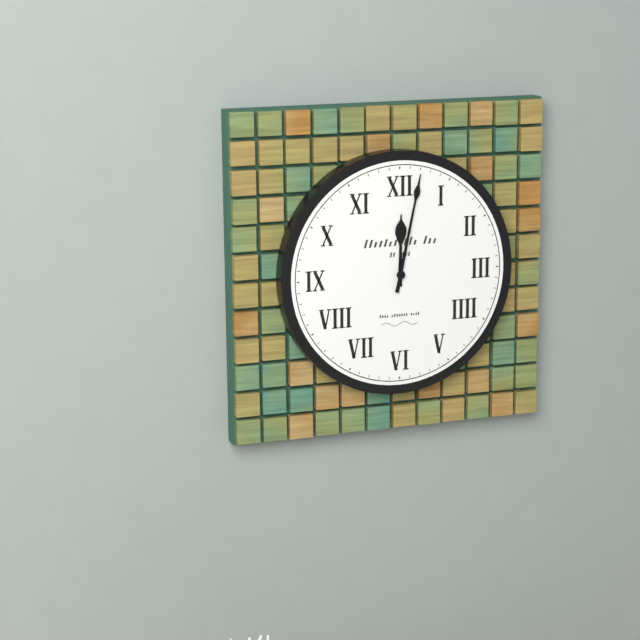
12:02
